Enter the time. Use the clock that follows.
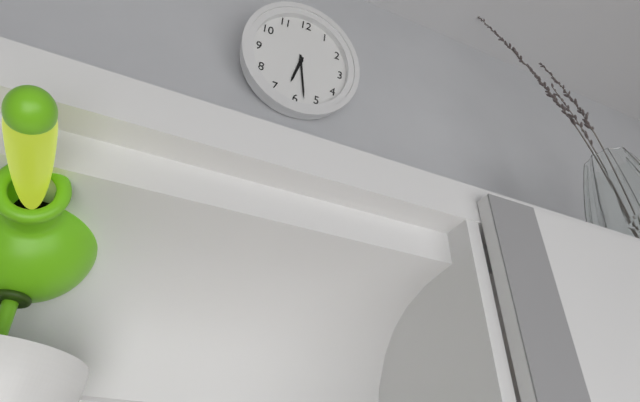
6:28
